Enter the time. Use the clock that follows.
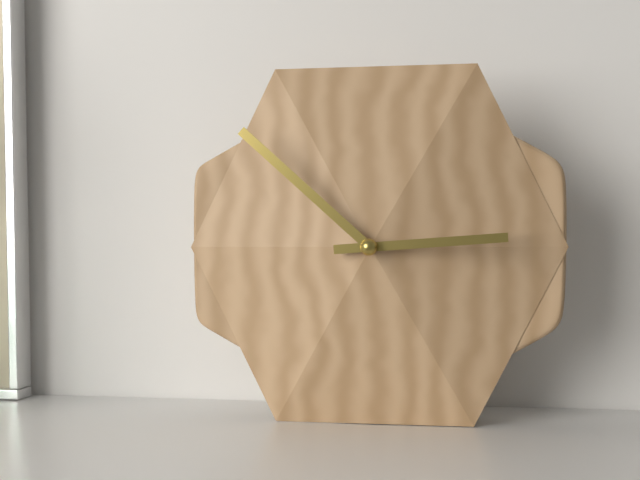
2:52
